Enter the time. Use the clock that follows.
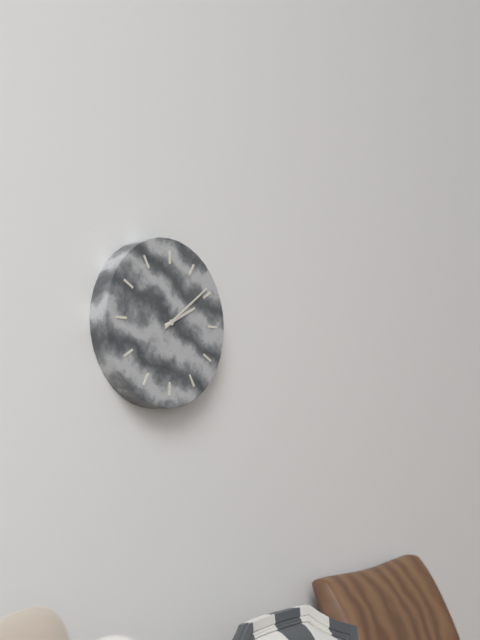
2:09
